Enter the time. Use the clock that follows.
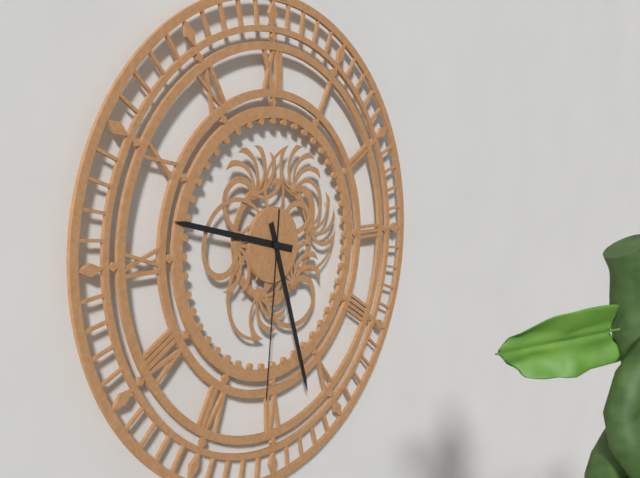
9:27:31
